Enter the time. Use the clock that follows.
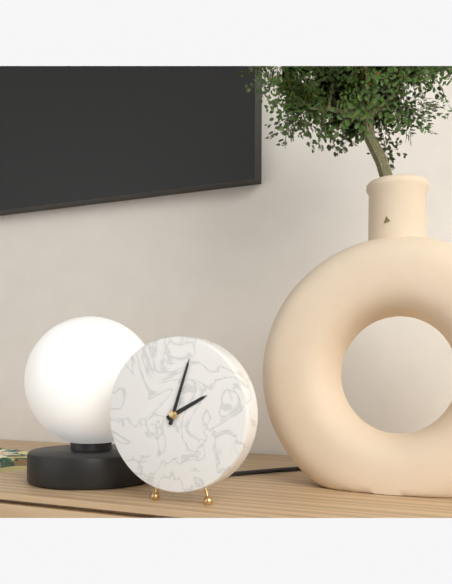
2:03
